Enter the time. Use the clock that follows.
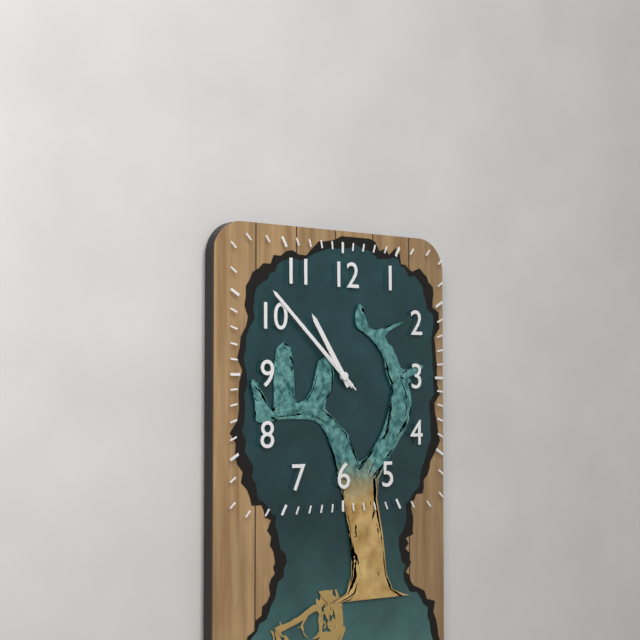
10:52
